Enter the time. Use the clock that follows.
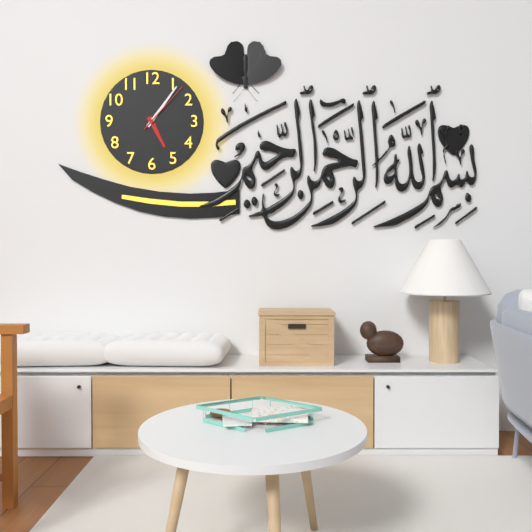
5:06:07
